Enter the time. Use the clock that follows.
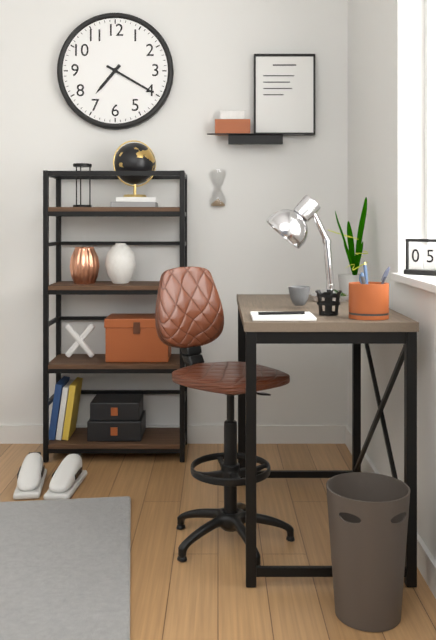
7:20
